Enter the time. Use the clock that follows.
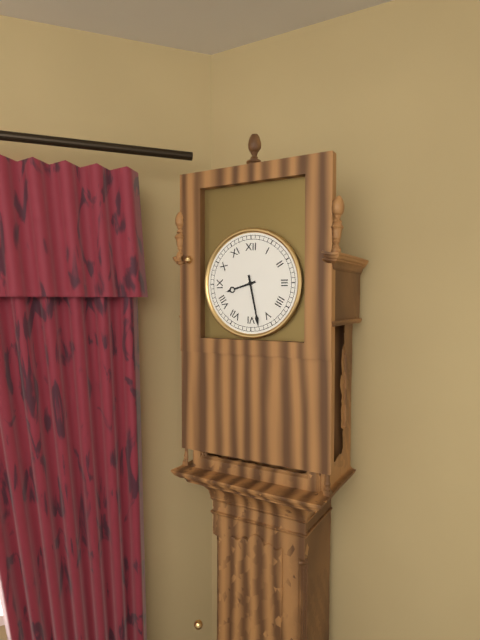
8:28
